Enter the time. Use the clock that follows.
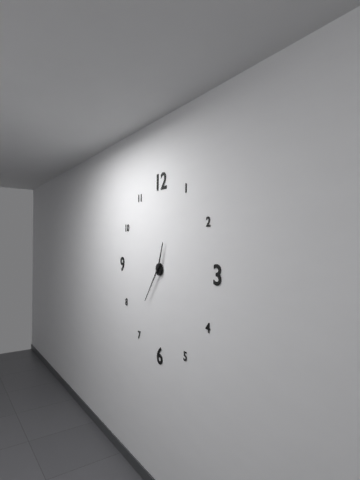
12:36
